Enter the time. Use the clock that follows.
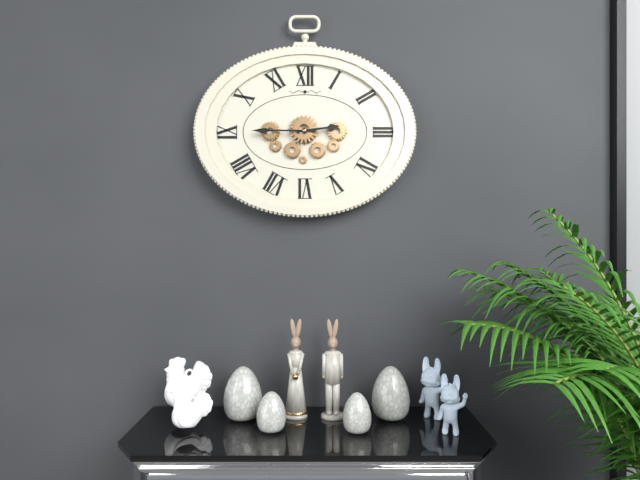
2:45
